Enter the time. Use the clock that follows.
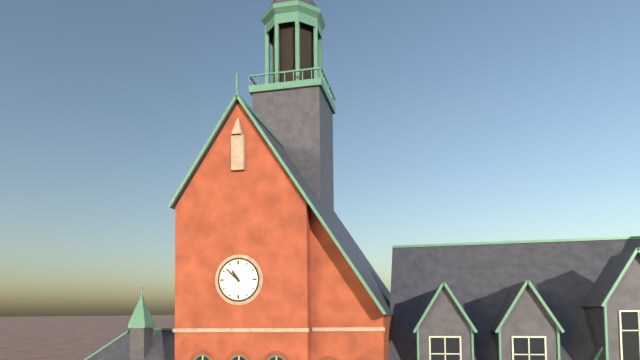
10:52
